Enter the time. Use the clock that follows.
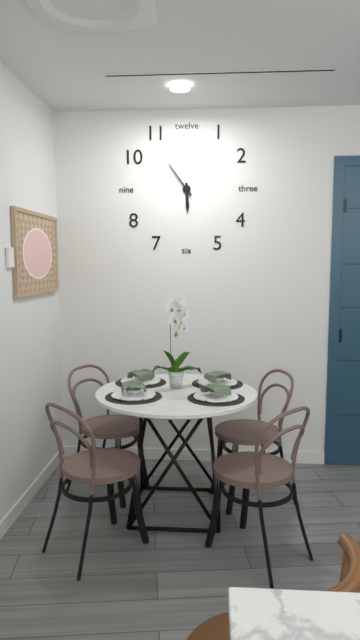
5:54
